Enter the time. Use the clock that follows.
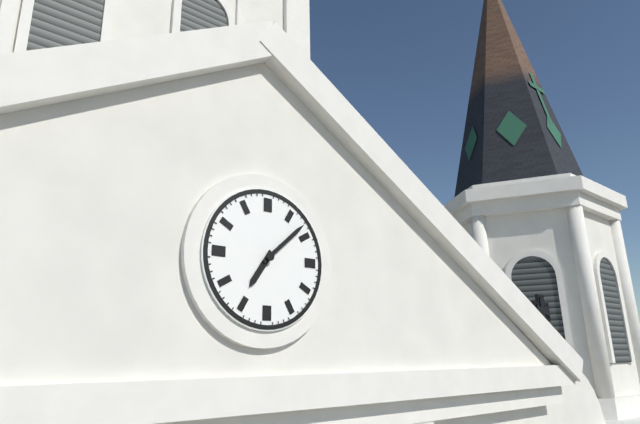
7:08
